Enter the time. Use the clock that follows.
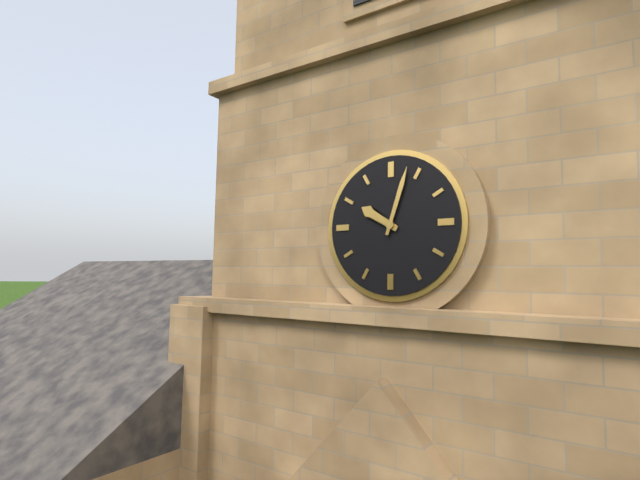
10:03
